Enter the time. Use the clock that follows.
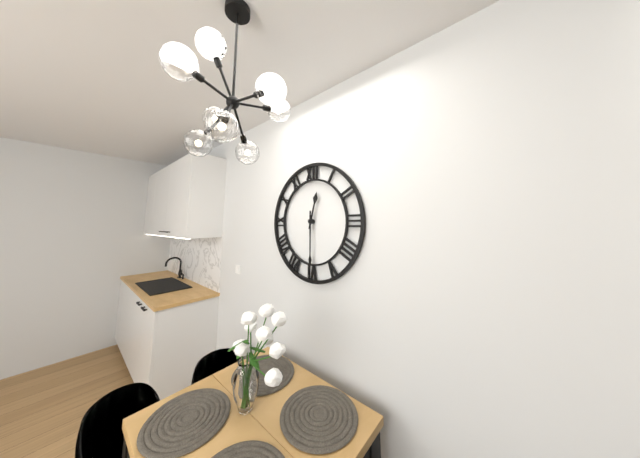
12:30
